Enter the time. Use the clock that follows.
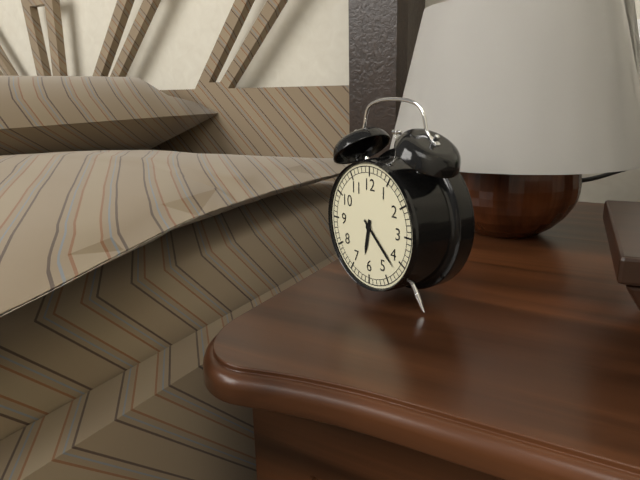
6:22
